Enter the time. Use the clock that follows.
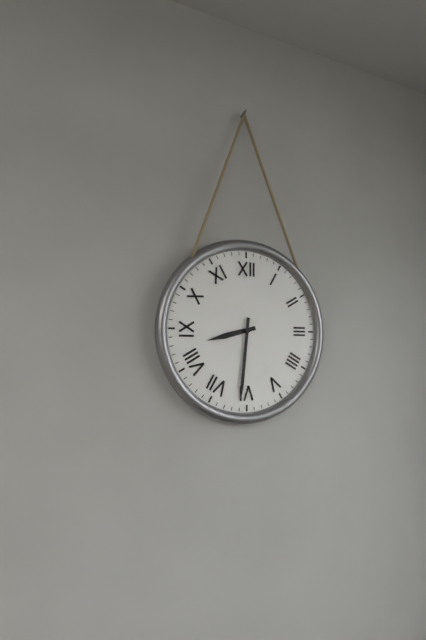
8:31
